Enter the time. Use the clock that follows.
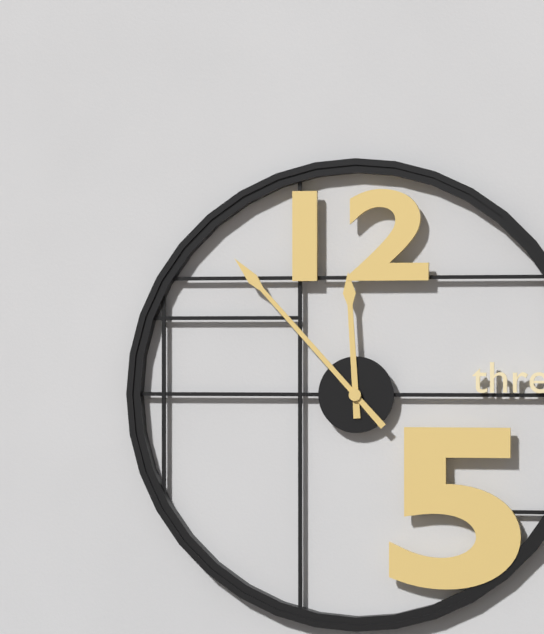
11:53
